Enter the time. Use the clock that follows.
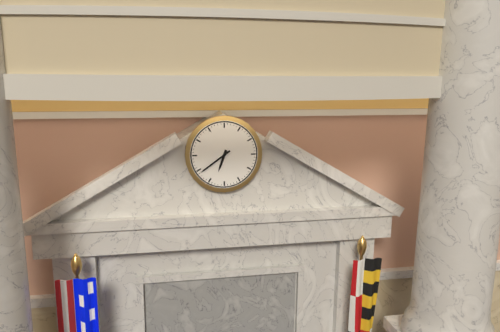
6:39
